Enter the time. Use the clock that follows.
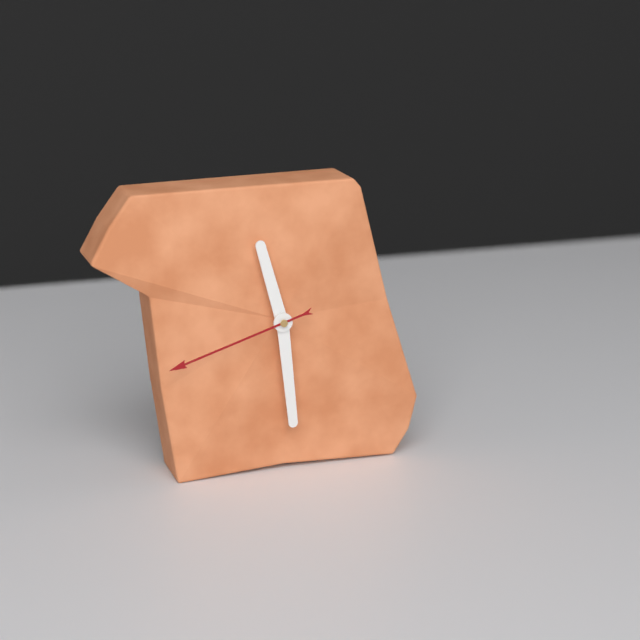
11:29:42
